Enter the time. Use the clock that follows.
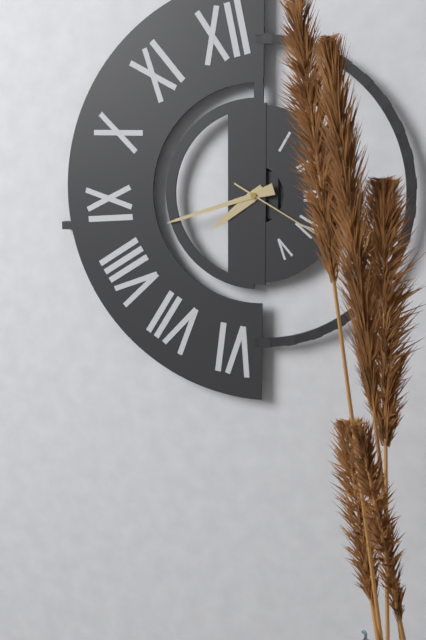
7:42:20
